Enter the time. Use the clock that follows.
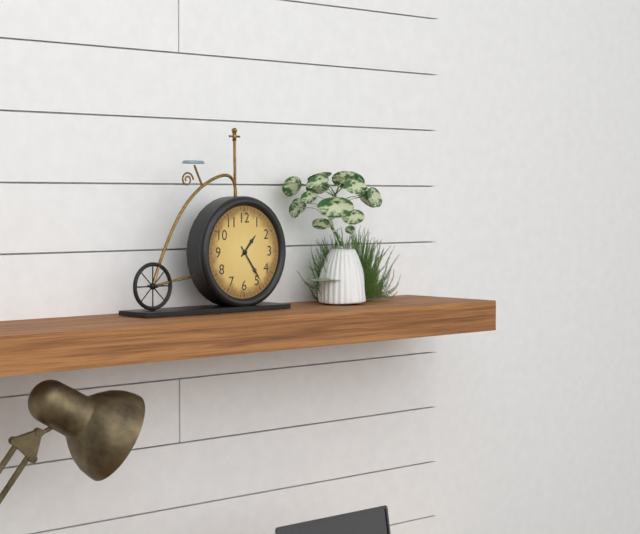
1:24
